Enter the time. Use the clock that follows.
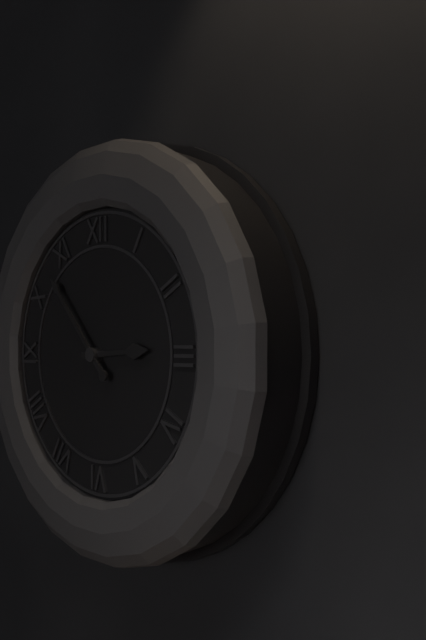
2:53
